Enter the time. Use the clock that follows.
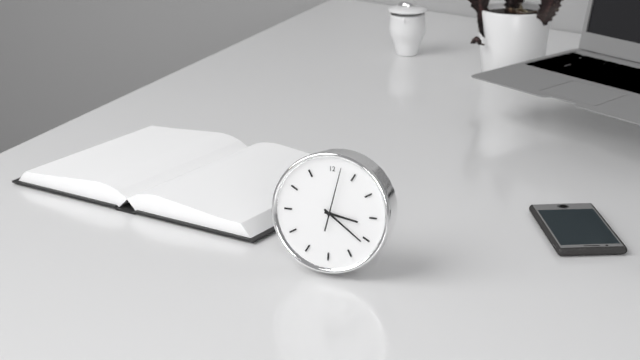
3:21:02
